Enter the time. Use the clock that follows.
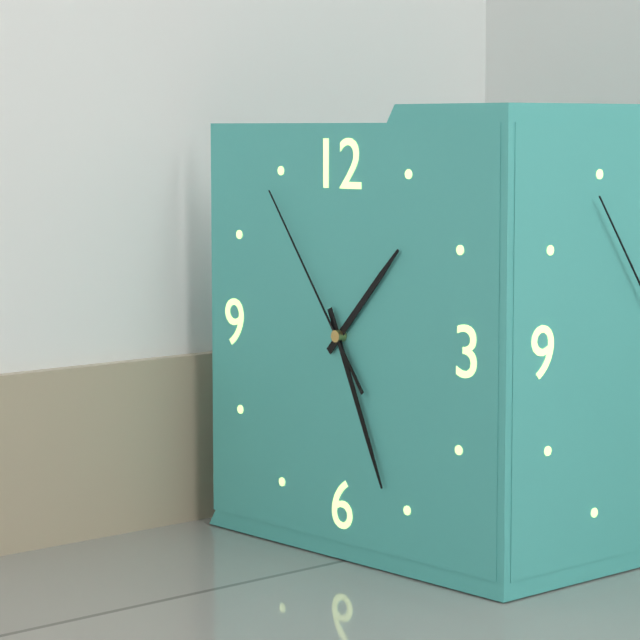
1:26:54
